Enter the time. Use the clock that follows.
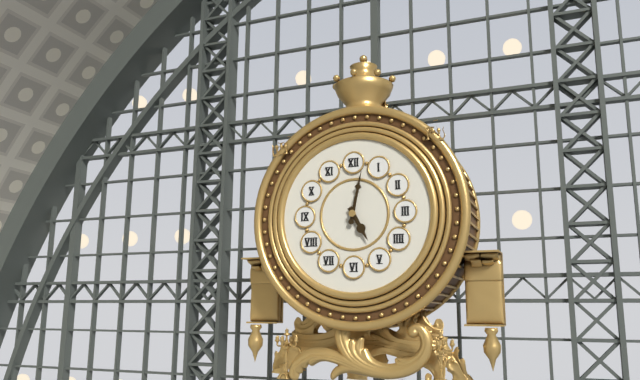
5:02
